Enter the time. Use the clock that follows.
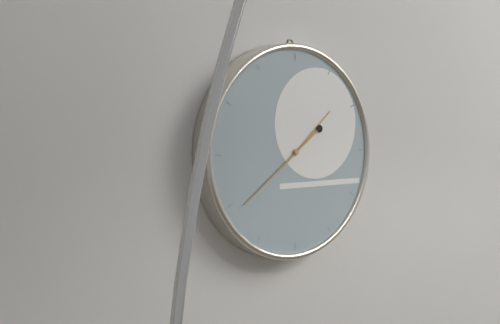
1:39
